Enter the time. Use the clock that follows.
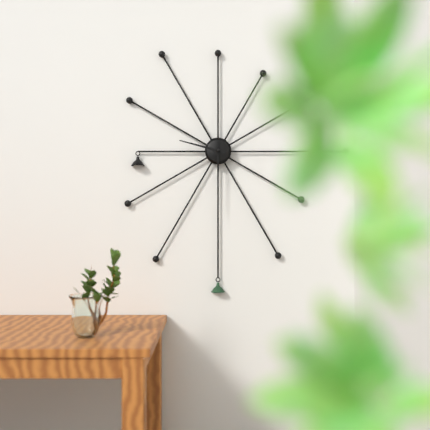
9:30
